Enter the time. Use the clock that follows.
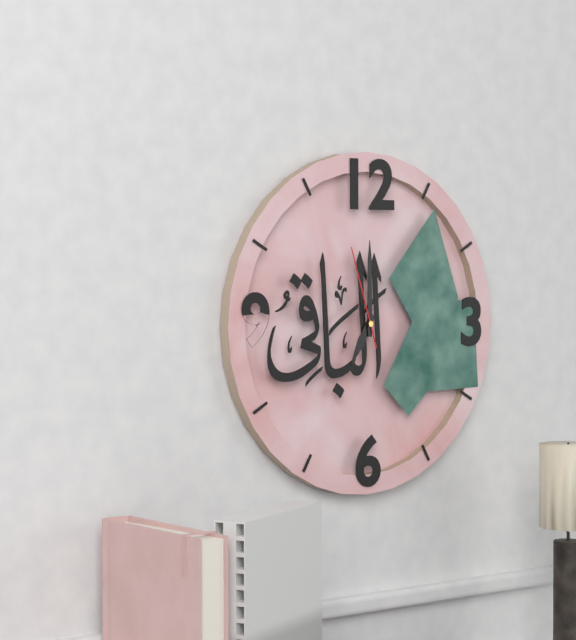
7:00:57
